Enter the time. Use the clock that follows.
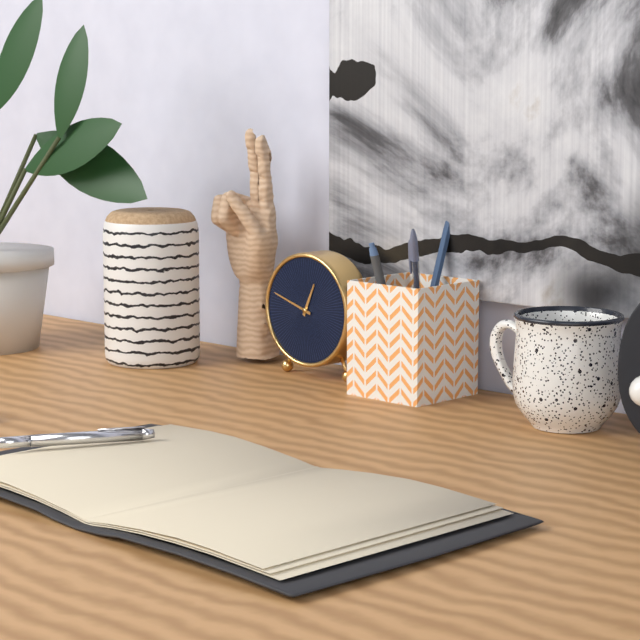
12:48
